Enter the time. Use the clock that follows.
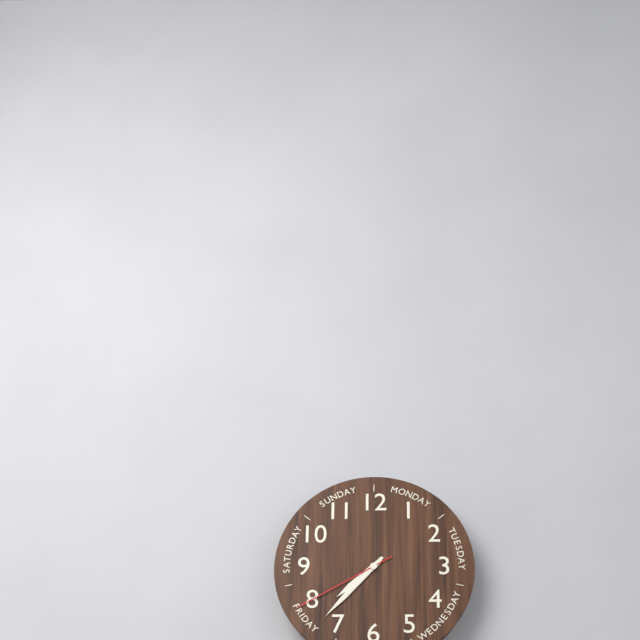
7:37:40
